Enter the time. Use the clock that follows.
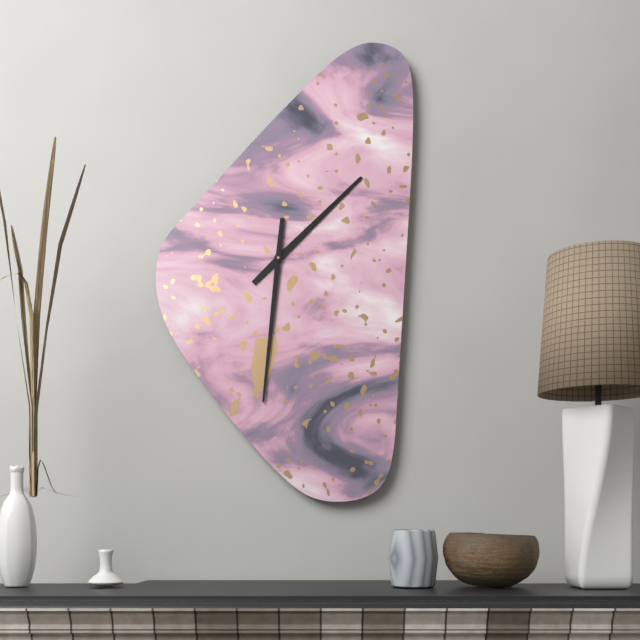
1:31
